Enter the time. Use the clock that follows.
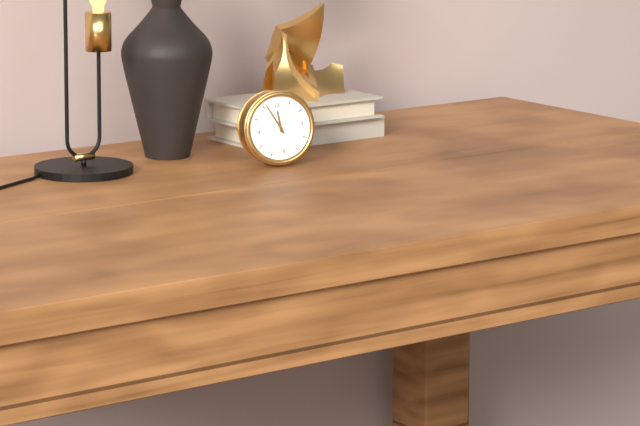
11:56
